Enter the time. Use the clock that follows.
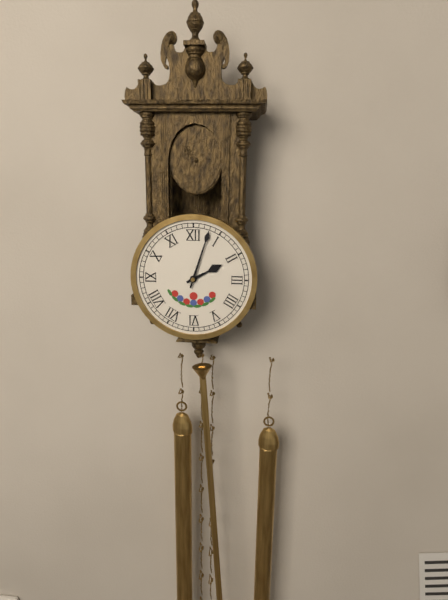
2:03
